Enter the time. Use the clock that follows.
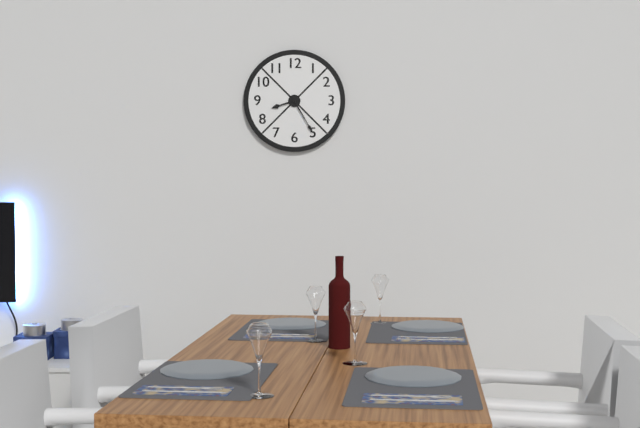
8:25
